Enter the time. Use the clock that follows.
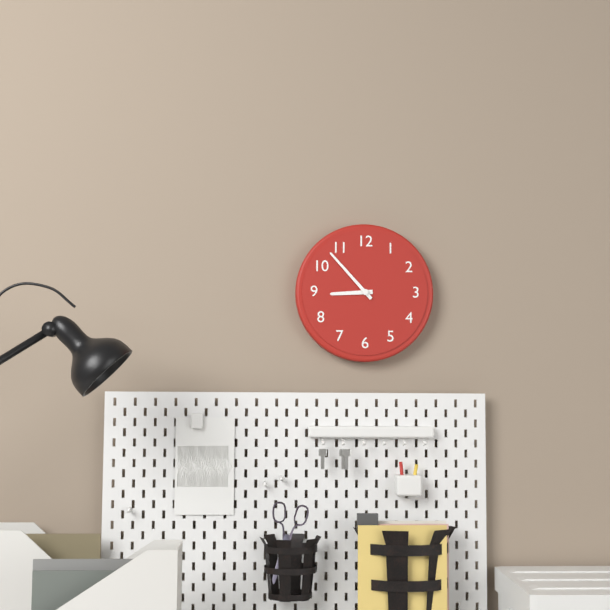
8:53
